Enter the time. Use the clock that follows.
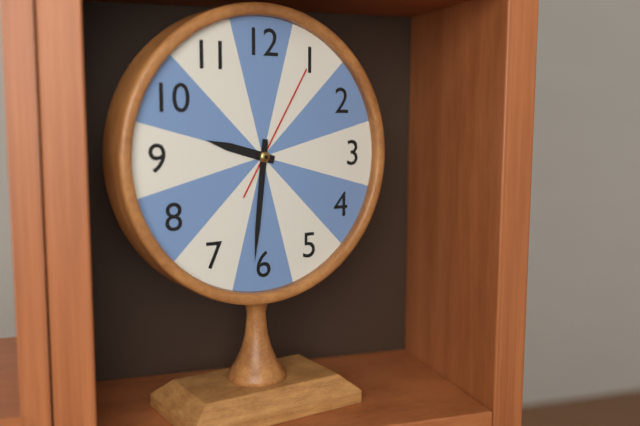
9:31:05
